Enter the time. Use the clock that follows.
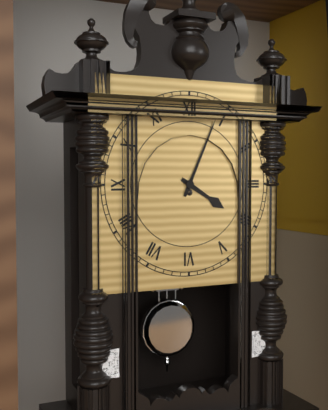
4:04
